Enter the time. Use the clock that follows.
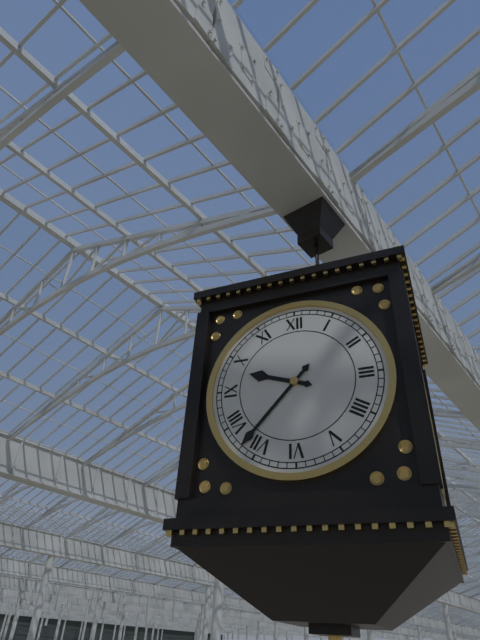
9:37
